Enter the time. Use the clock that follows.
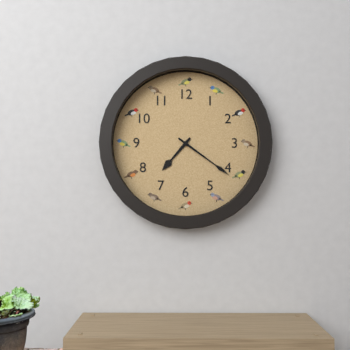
7:21
